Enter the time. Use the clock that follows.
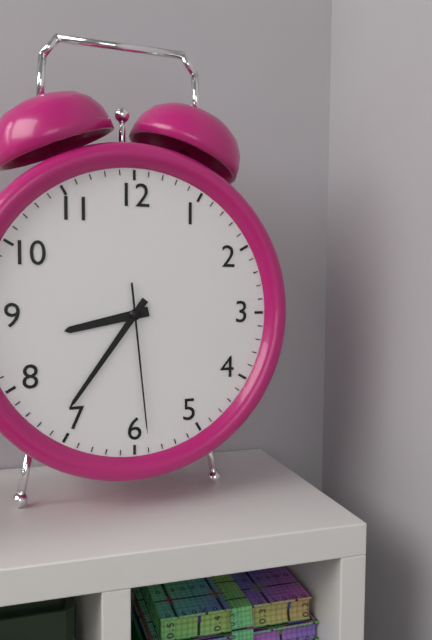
8:36:29
